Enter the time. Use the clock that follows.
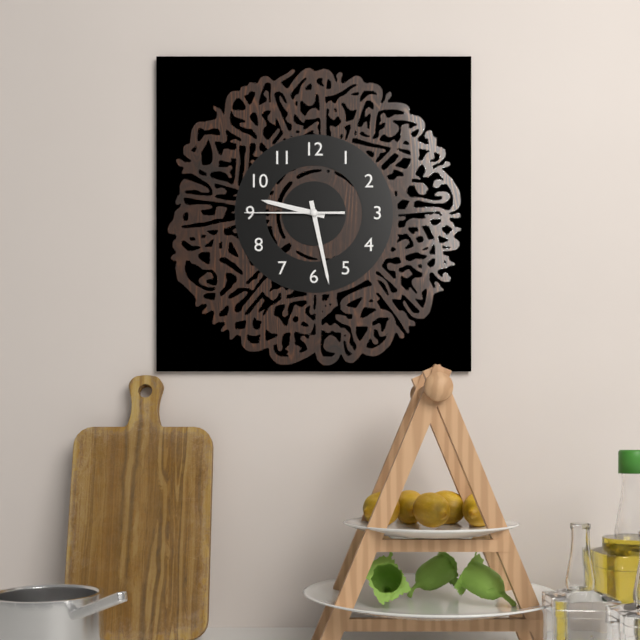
9:28:45
